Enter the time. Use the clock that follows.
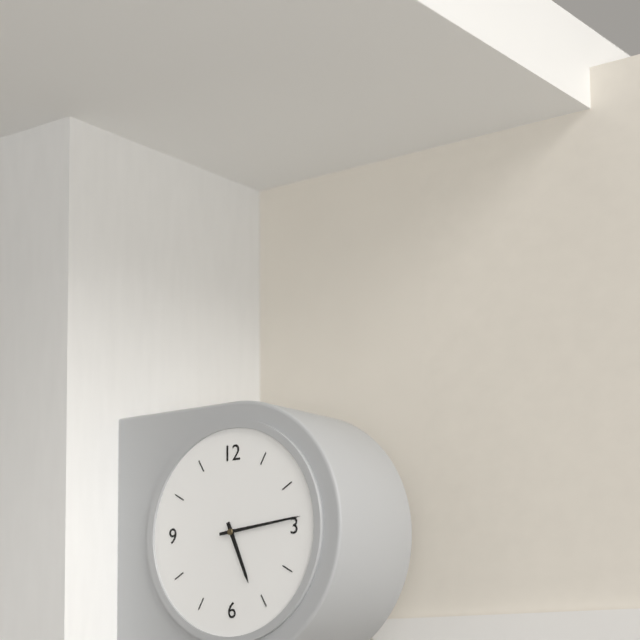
5:14
